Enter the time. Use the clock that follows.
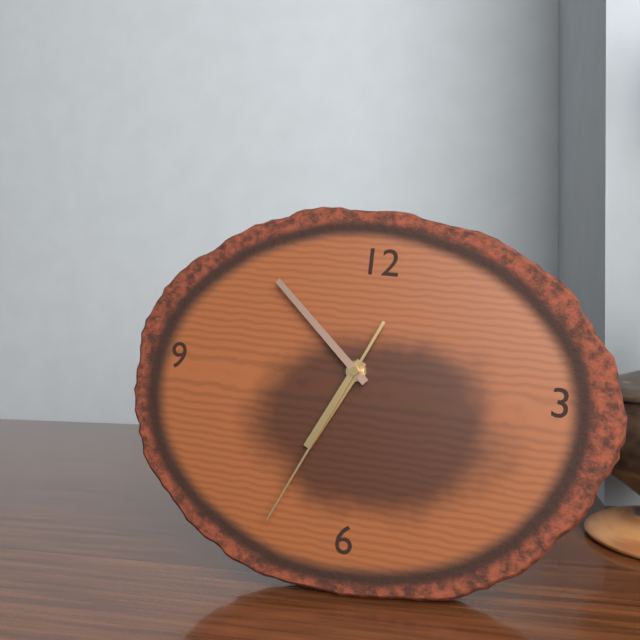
6:52:34
